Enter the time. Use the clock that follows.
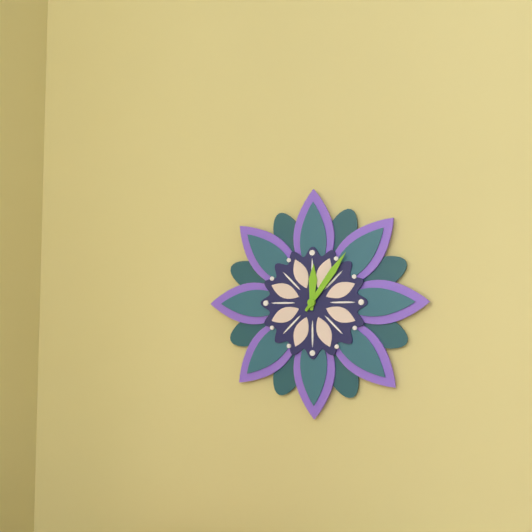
12:06
